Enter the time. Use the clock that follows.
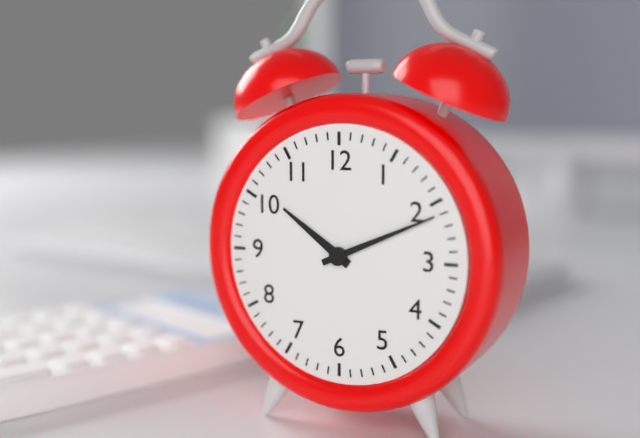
10:11
